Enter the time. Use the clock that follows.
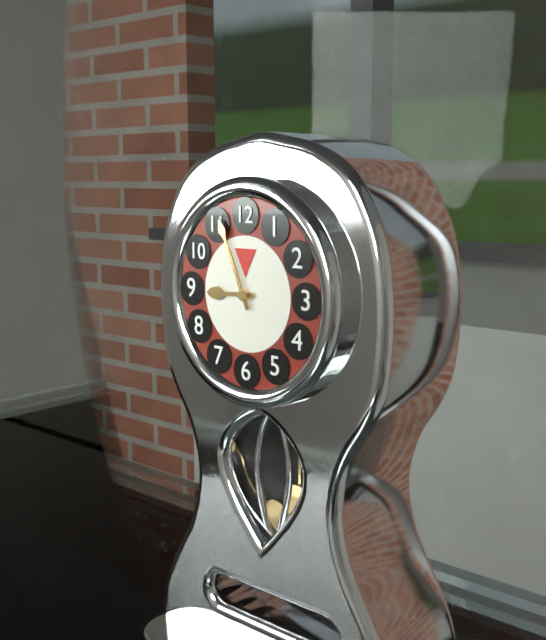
8:56
